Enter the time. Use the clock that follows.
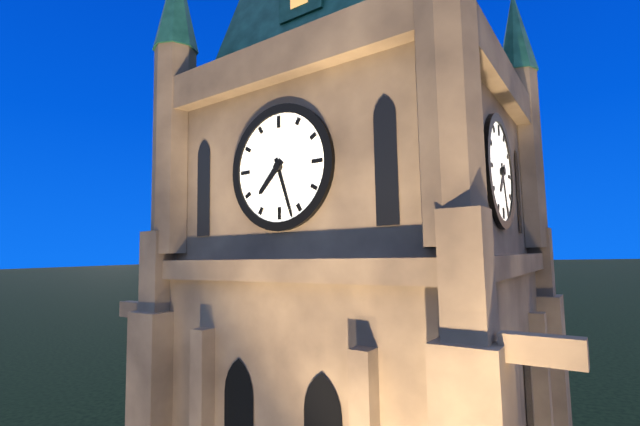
7:27
